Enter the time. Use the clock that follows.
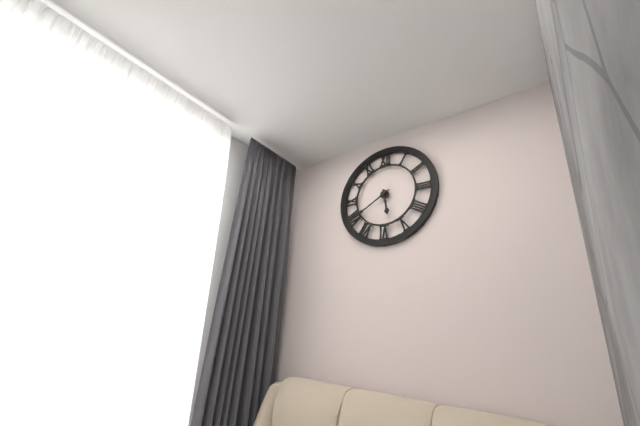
5:40
